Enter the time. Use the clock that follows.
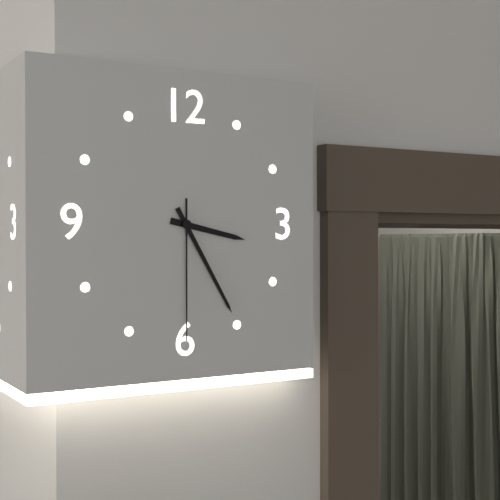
3:25:30
